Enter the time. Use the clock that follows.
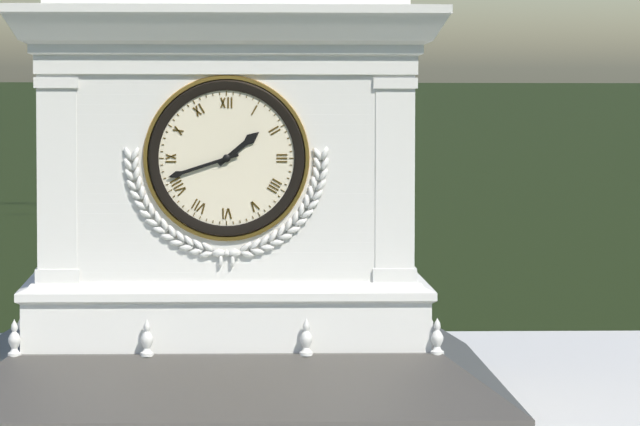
1:42
